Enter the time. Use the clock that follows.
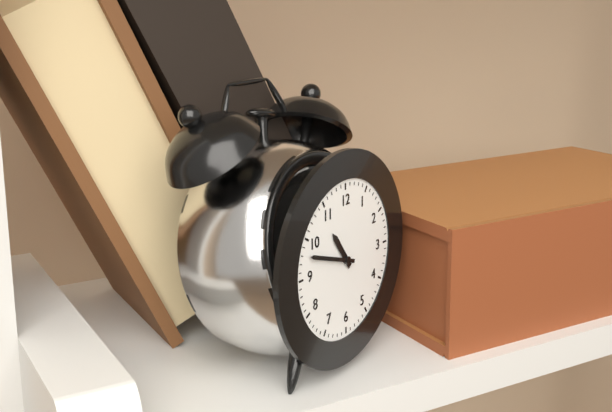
10:48
